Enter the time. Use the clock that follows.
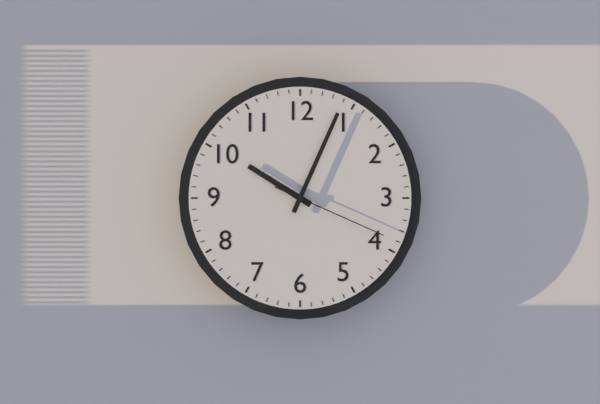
10:04:19
